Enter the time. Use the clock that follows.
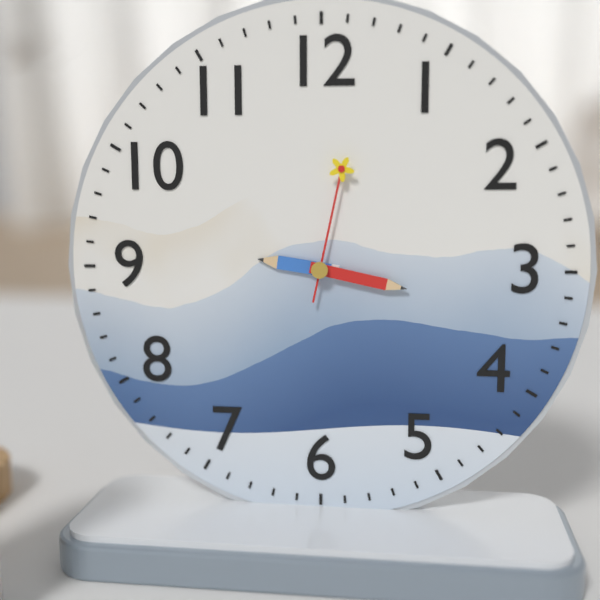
9:17:02
